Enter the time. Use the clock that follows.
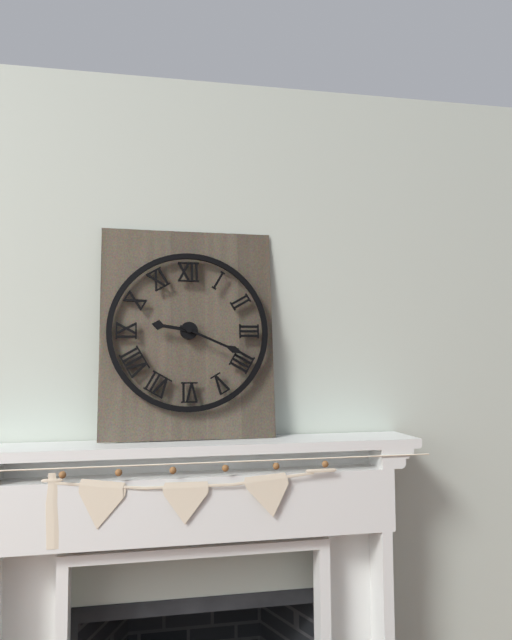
9:19
